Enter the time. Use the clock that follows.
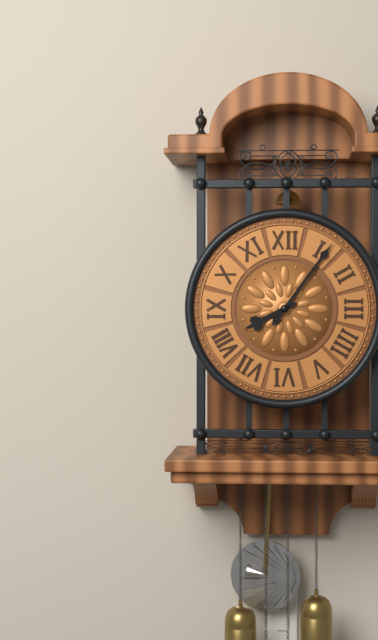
8:06
